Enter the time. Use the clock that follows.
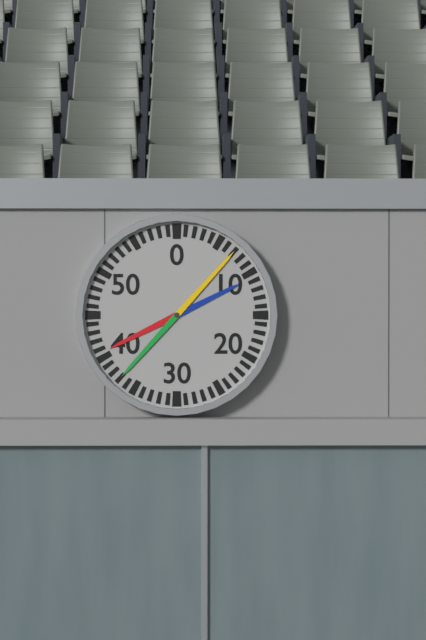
8:07
